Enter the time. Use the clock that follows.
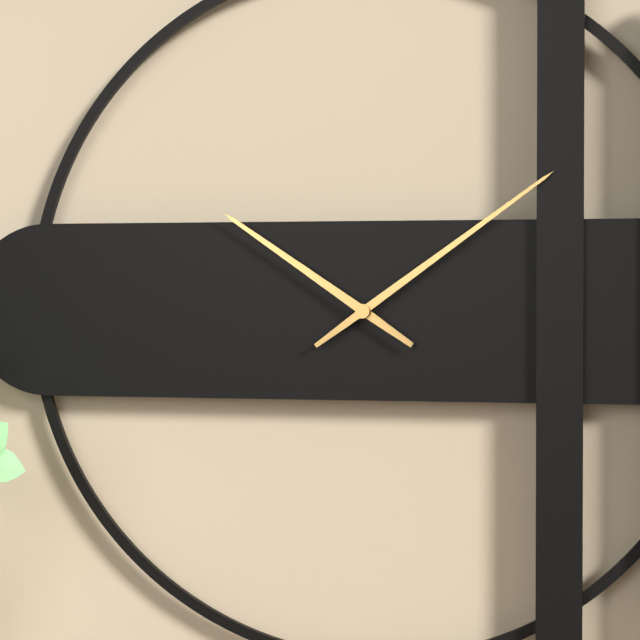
10:09
